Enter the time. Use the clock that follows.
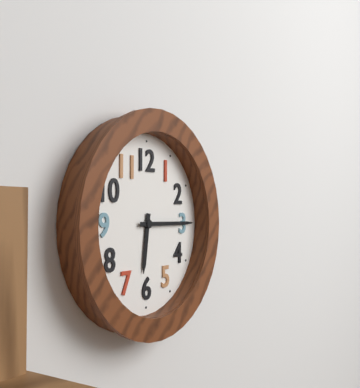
6:15
